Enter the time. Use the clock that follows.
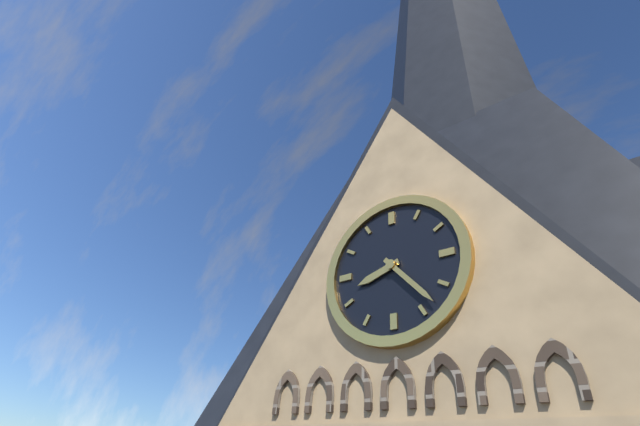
8:23
